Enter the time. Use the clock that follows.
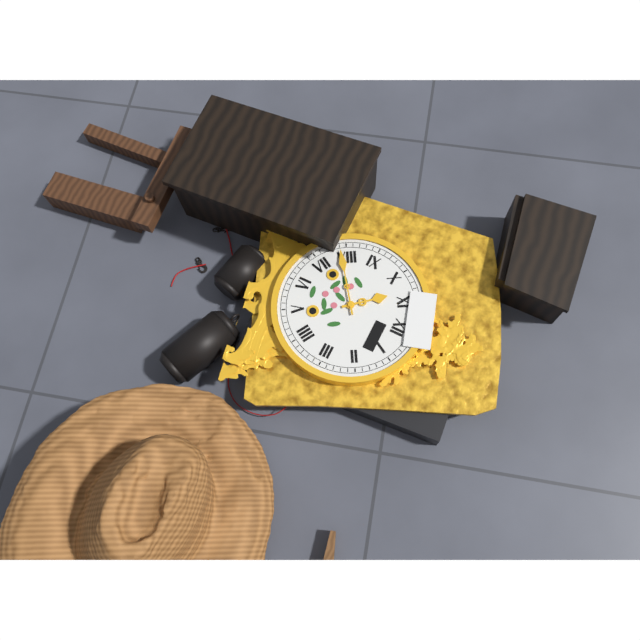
10:39
